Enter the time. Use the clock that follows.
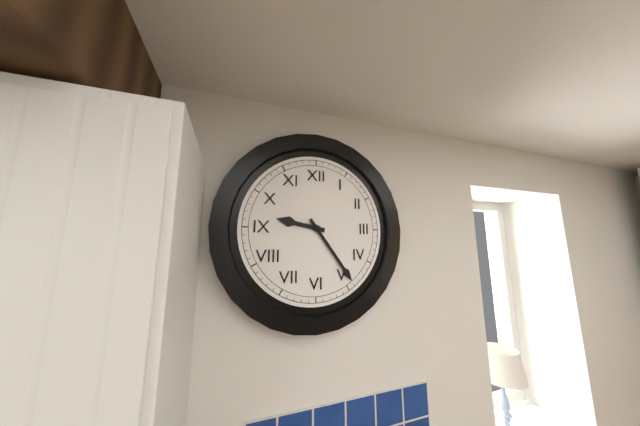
9:24
